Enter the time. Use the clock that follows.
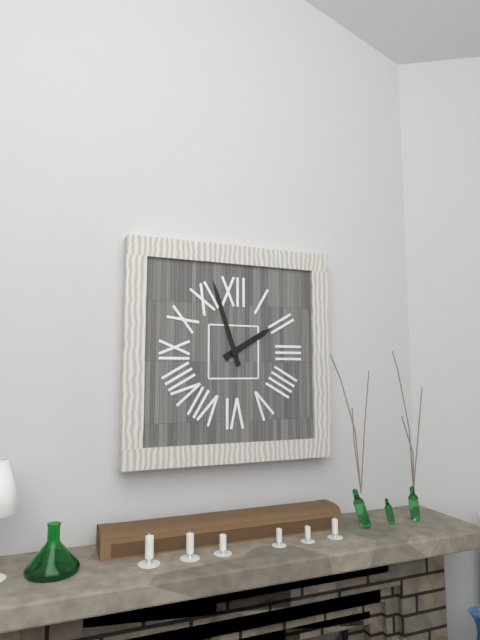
1:57
